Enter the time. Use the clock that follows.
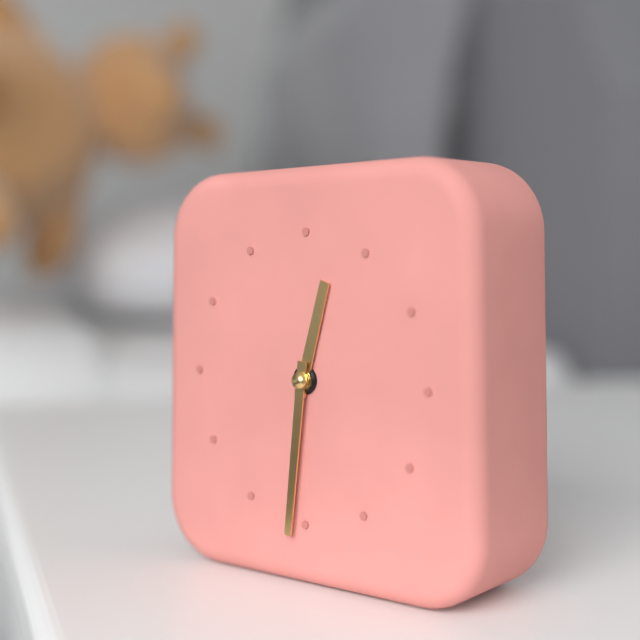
12:31
